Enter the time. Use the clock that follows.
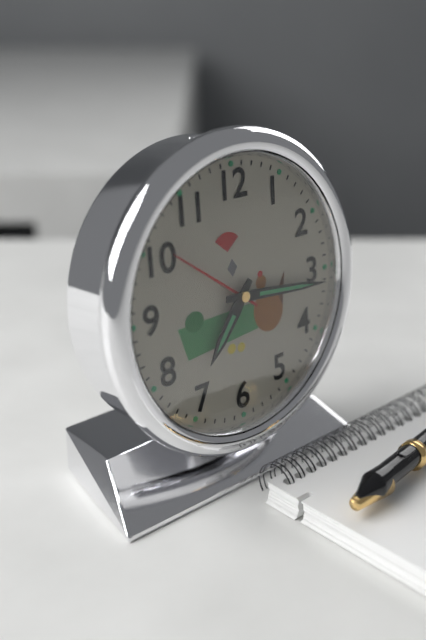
7:16
